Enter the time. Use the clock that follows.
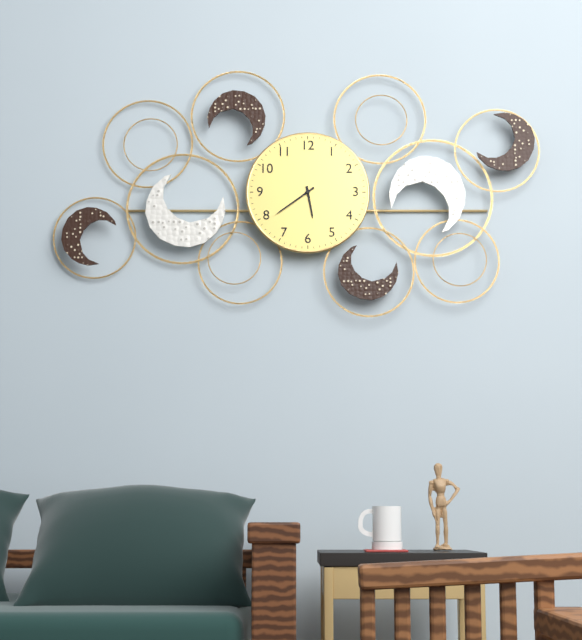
5:39
